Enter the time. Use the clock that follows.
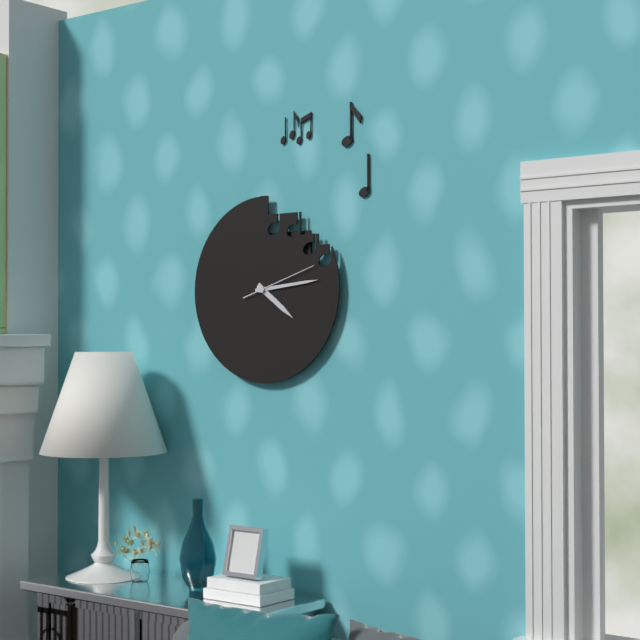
4:14:12
